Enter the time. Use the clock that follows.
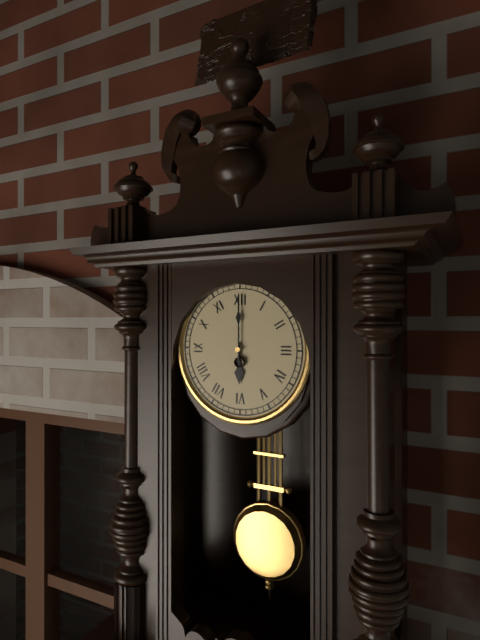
6:00
